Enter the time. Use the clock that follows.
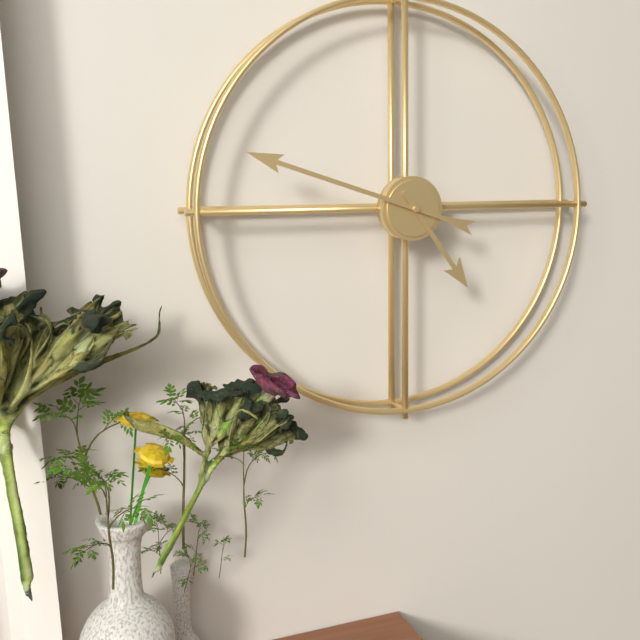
4:48
